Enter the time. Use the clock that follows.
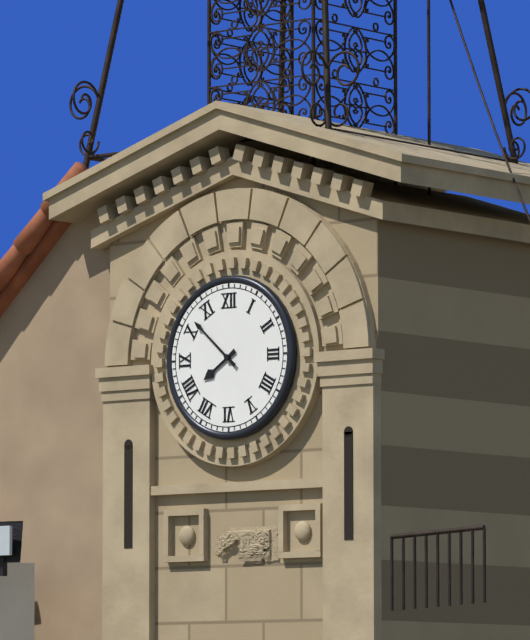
7:52
